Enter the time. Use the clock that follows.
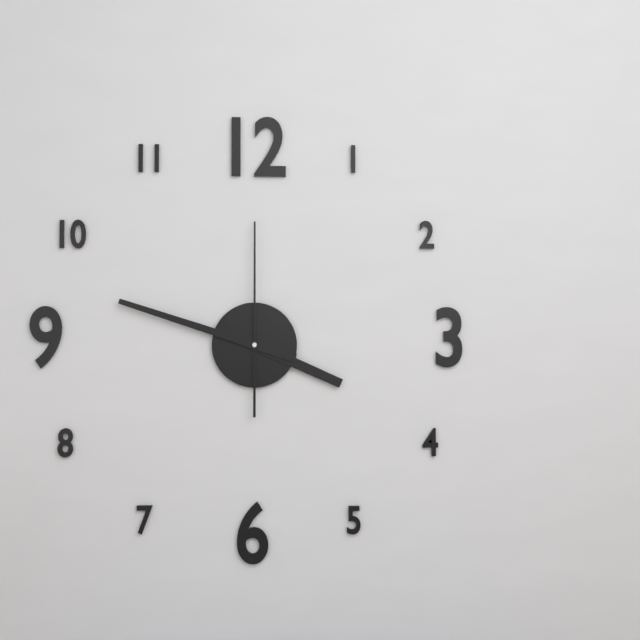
3:48:00
